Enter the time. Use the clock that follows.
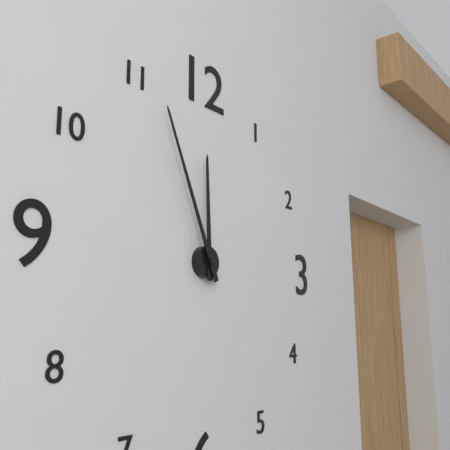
11:56
